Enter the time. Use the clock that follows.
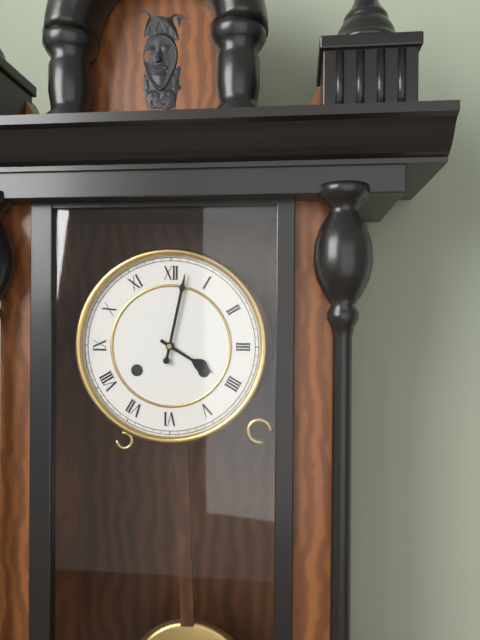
4:02
